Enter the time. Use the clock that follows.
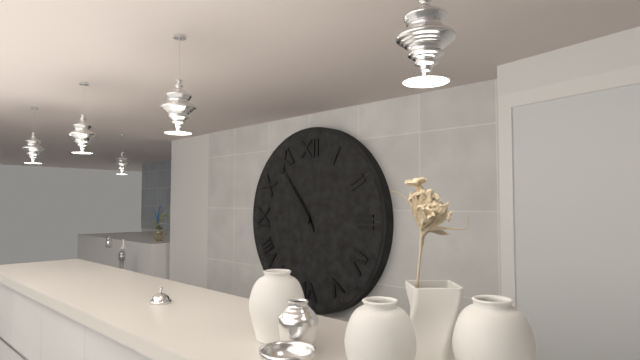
10:54
